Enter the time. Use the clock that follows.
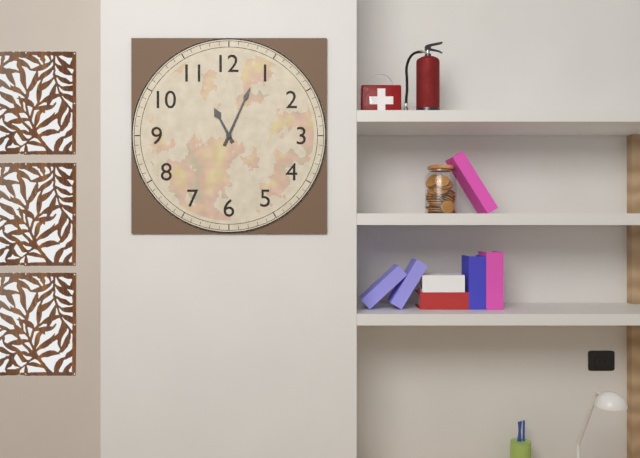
11:04
